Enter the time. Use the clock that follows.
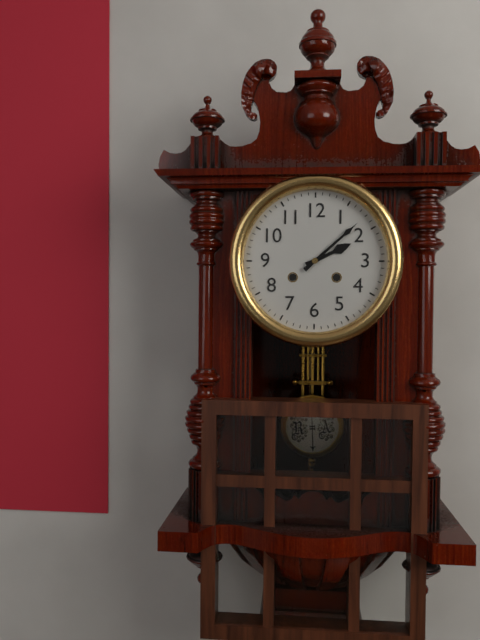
2:08
